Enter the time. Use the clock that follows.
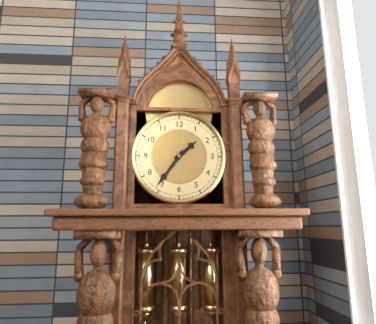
1:36
